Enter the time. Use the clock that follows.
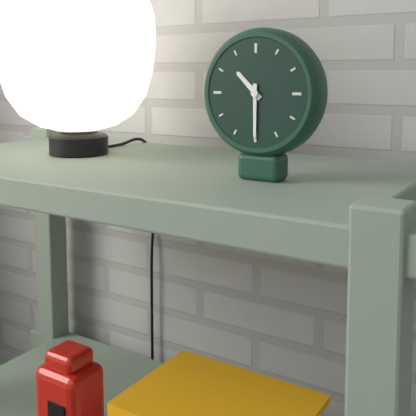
10:30
